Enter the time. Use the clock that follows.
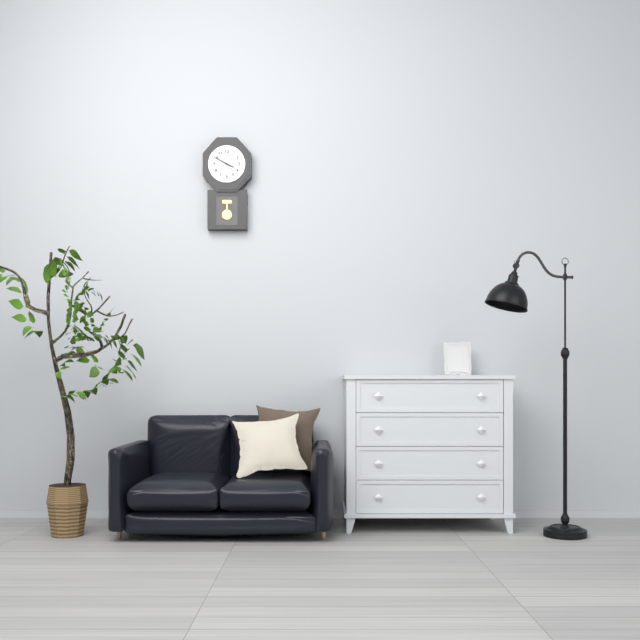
3:50
